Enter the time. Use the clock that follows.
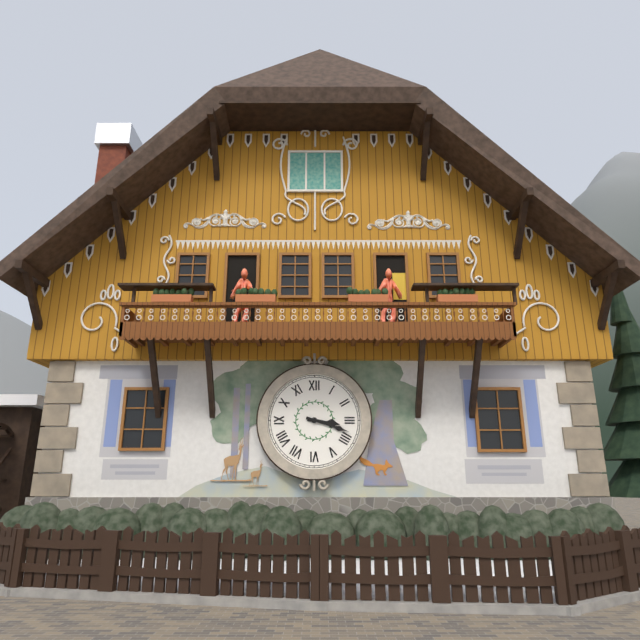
3:18
